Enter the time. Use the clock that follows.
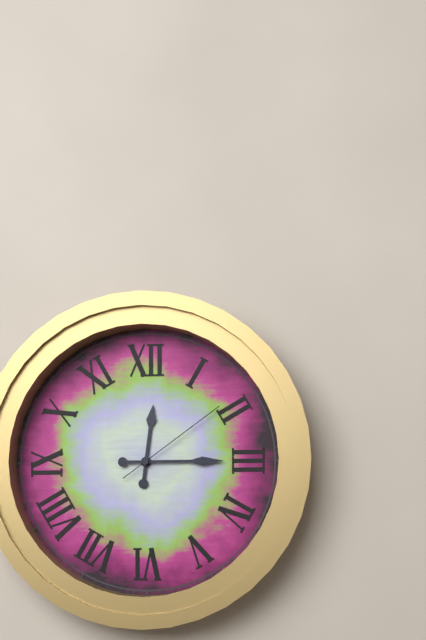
12:15:09
